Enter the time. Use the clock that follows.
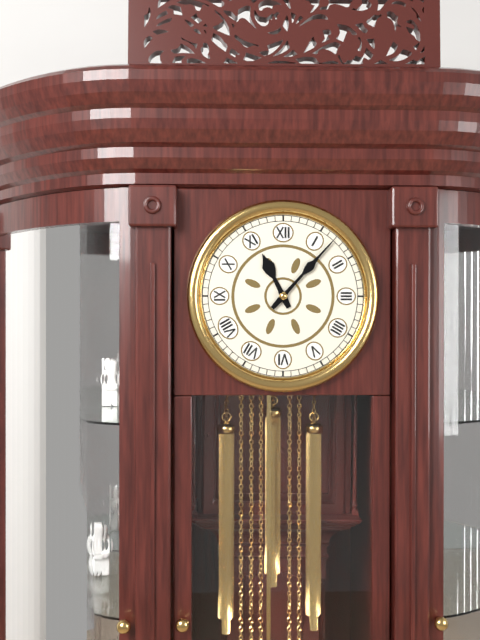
11:07
